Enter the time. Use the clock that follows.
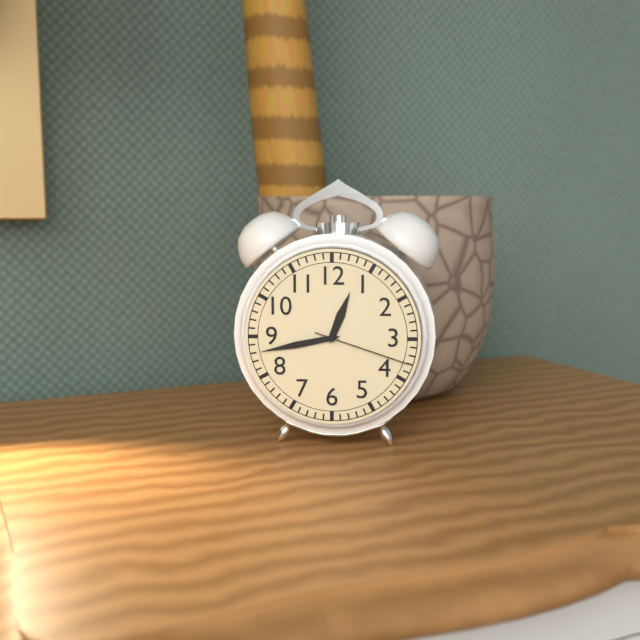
12:43:18
